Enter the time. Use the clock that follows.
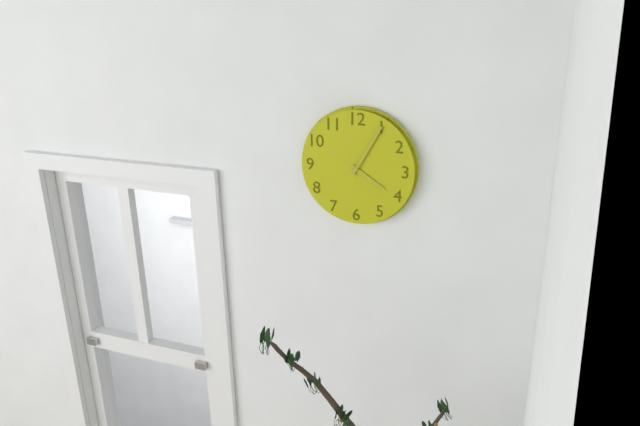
4:05
